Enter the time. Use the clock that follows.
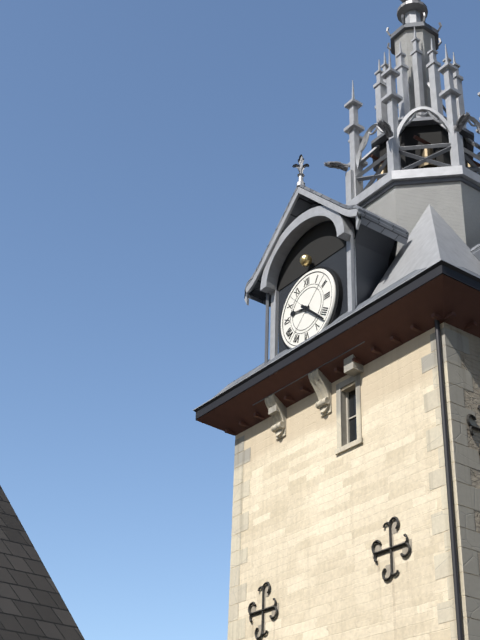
9:22
